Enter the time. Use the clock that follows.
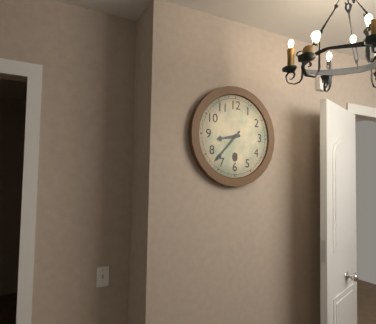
8:37
